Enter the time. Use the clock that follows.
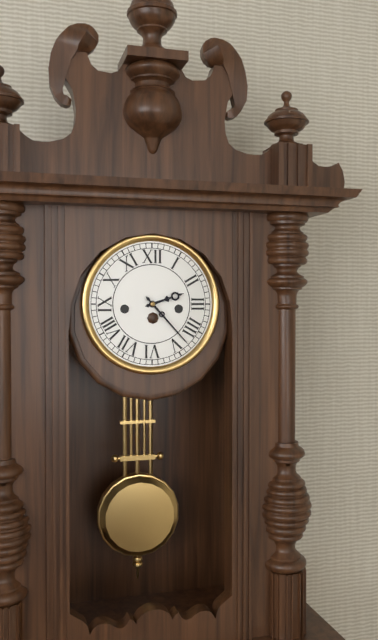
2:23
